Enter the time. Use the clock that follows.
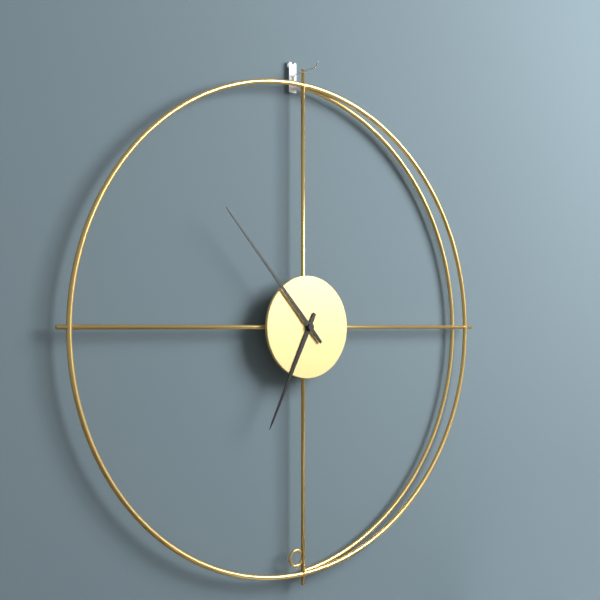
6:53
